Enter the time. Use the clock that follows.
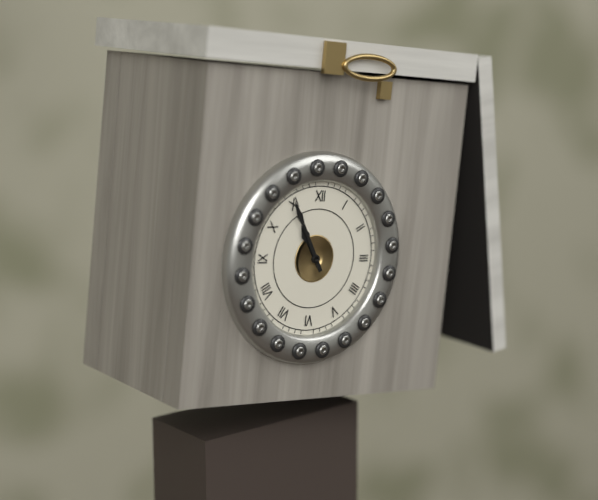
10:55
